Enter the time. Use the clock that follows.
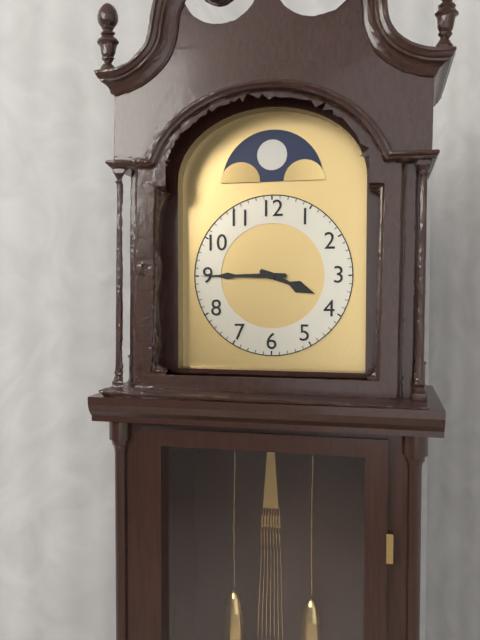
3:45
